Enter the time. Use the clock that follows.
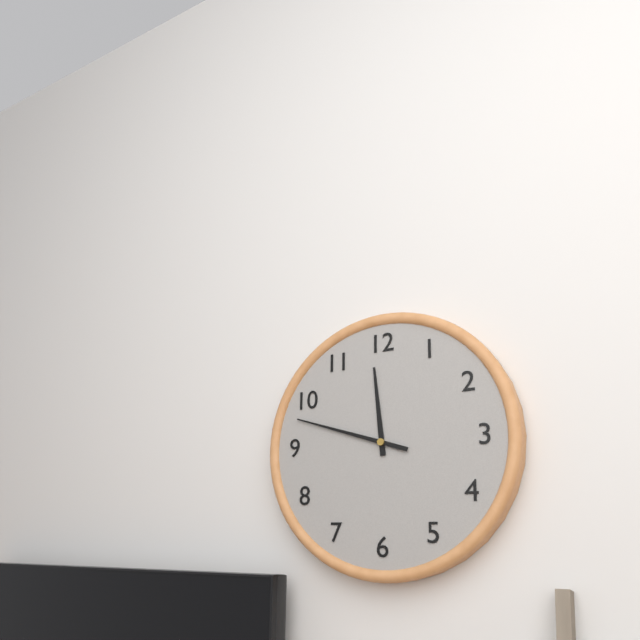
11:48
